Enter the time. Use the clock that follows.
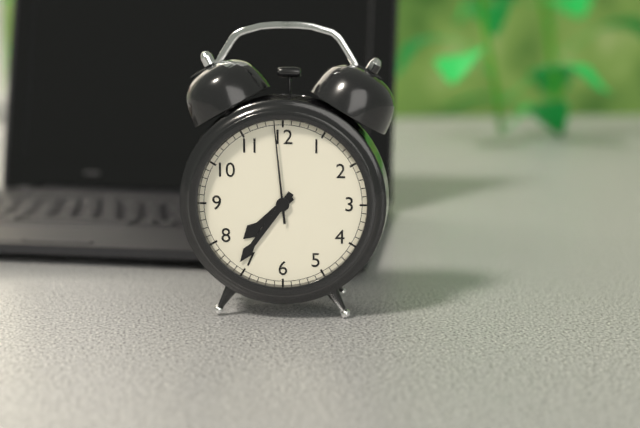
7:36:59
